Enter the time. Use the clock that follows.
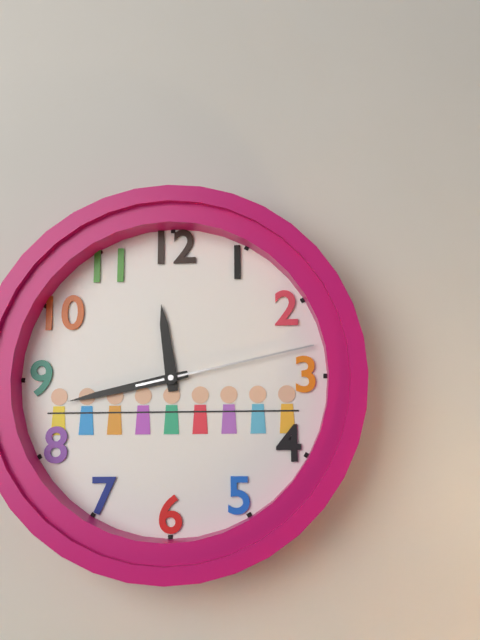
11:43:13
